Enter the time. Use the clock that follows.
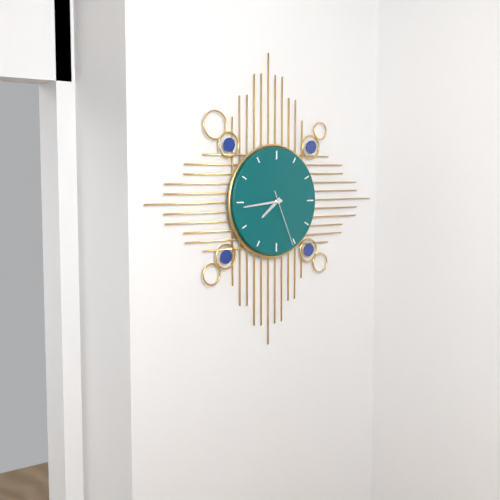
7:44:26
